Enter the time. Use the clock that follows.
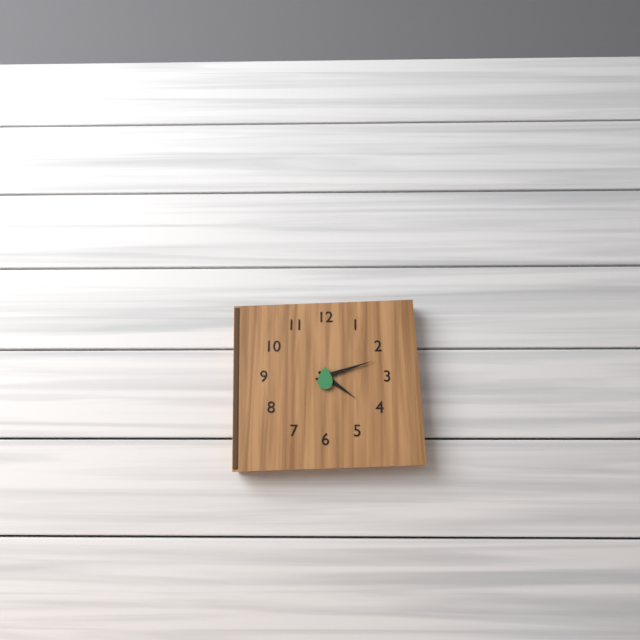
4:12
